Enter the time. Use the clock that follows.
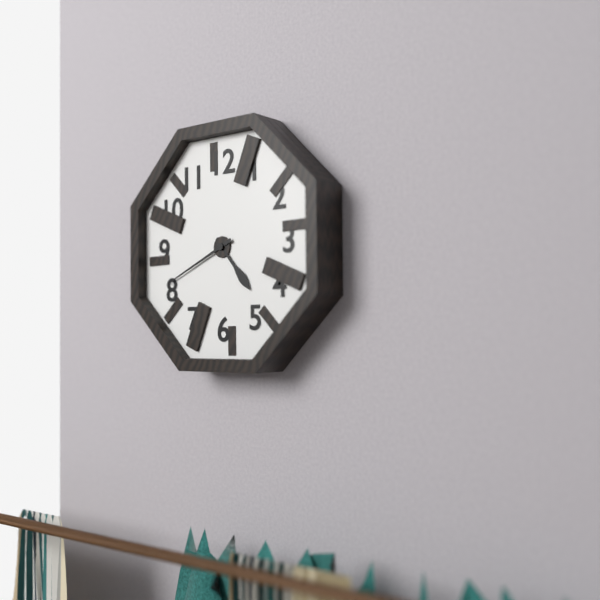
4:41
